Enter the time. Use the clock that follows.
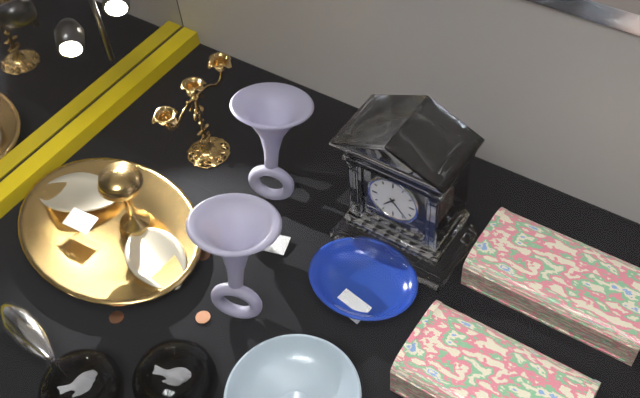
7:23
